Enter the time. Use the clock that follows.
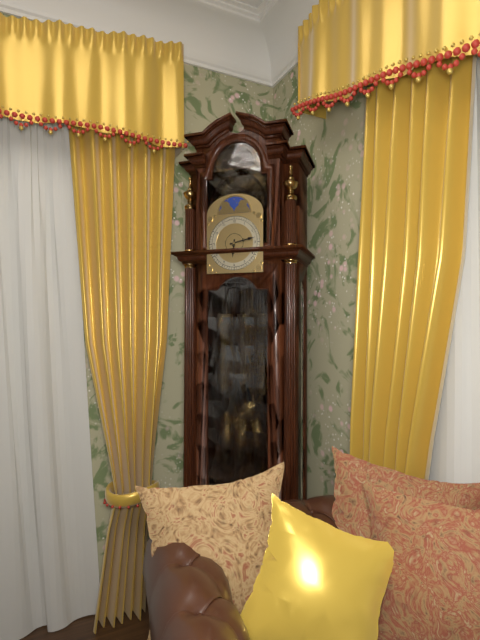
6:13
